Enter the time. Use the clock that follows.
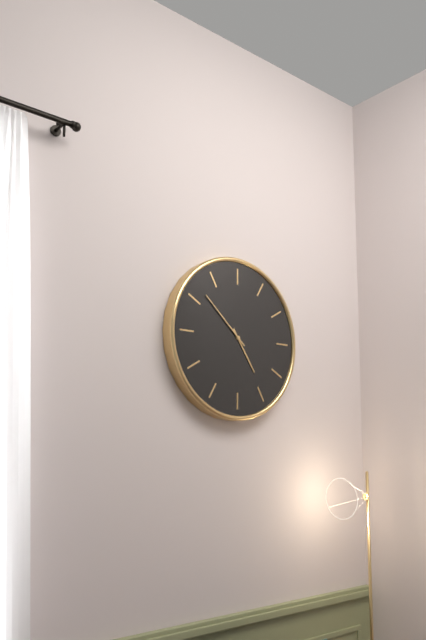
4:52
